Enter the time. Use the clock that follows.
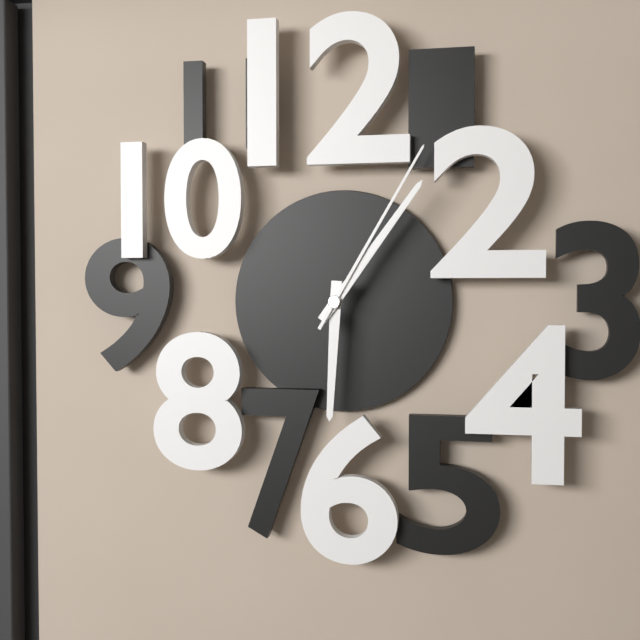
6:06:05
